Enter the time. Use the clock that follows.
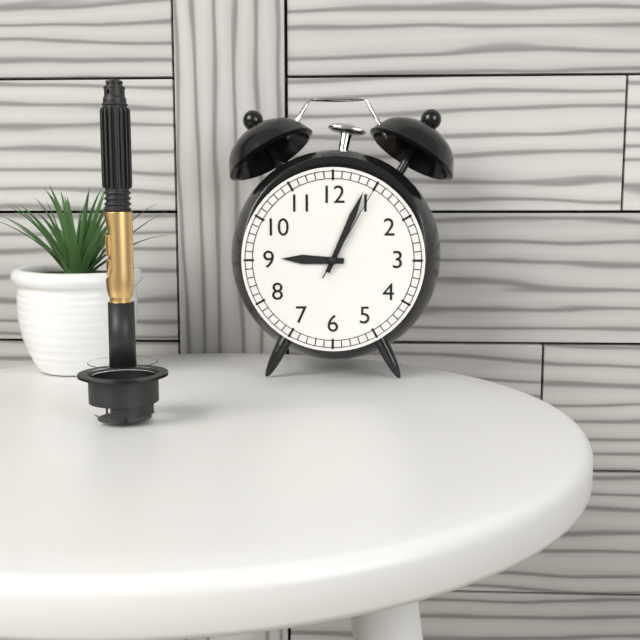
9:04:05
